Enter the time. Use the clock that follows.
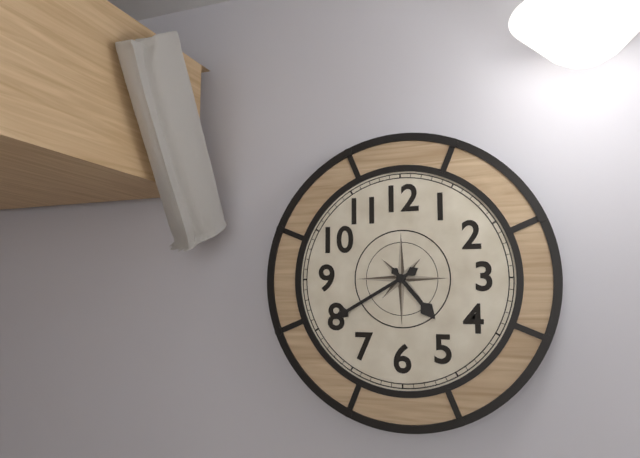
4:40
